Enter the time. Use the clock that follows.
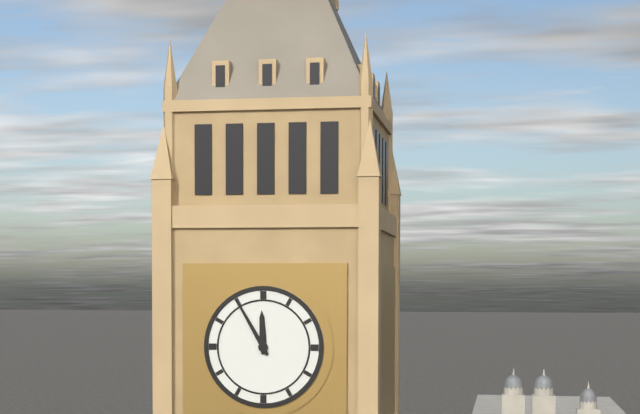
11:55
